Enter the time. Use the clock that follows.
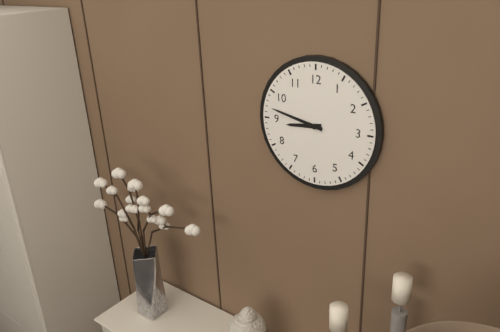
8:47
